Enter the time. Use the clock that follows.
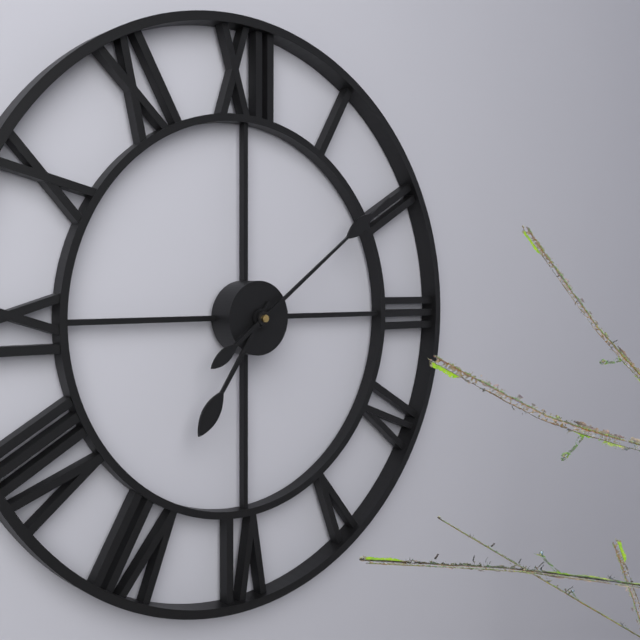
7:09
